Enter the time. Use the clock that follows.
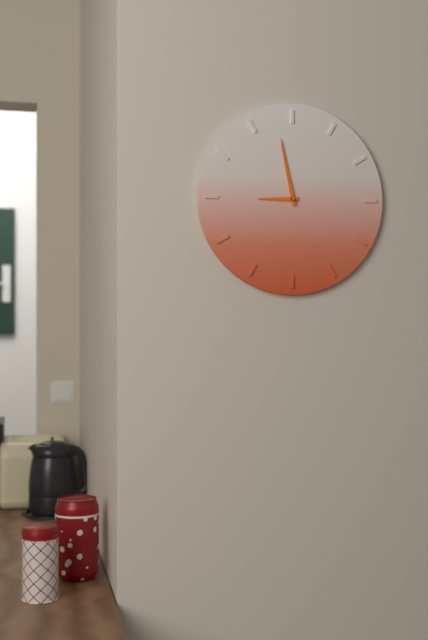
8:58
